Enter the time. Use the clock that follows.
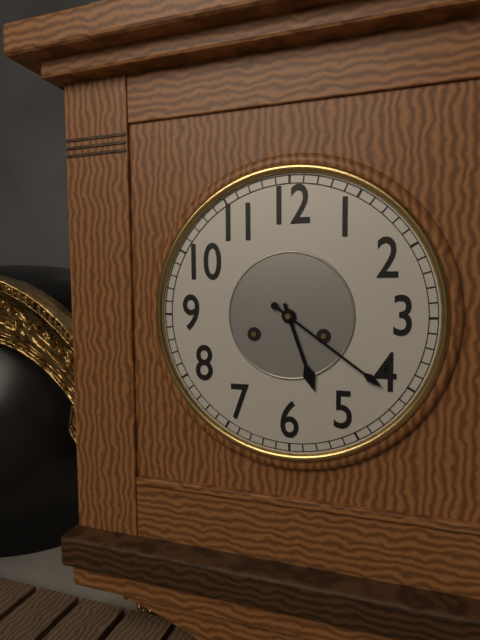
5:21
